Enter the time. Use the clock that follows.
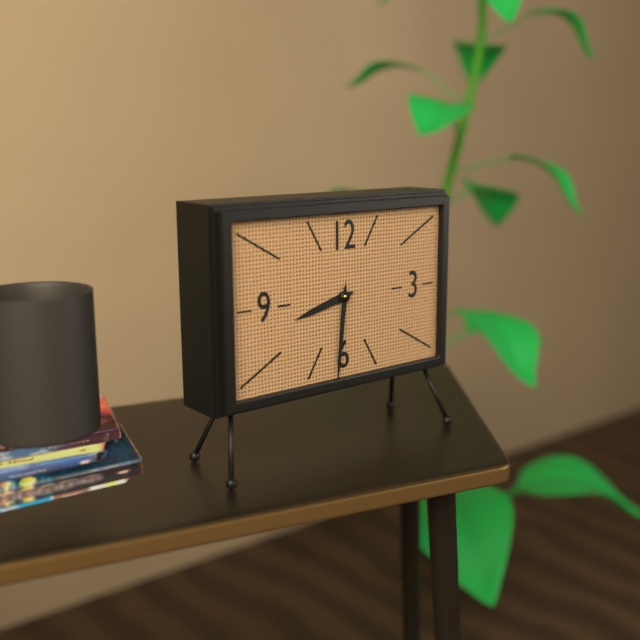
8:31
